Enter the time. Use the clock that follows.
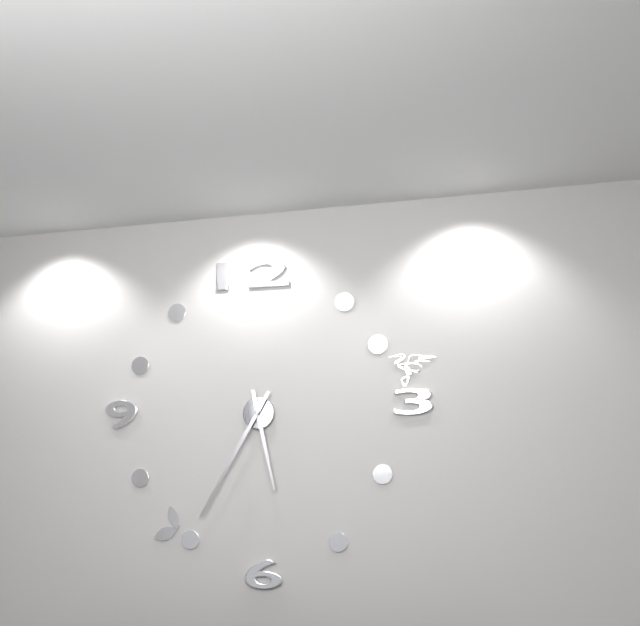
5:35
